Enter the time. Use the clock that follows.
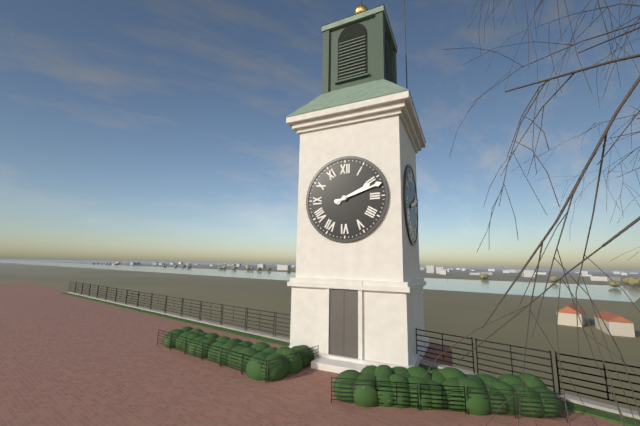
2:12
